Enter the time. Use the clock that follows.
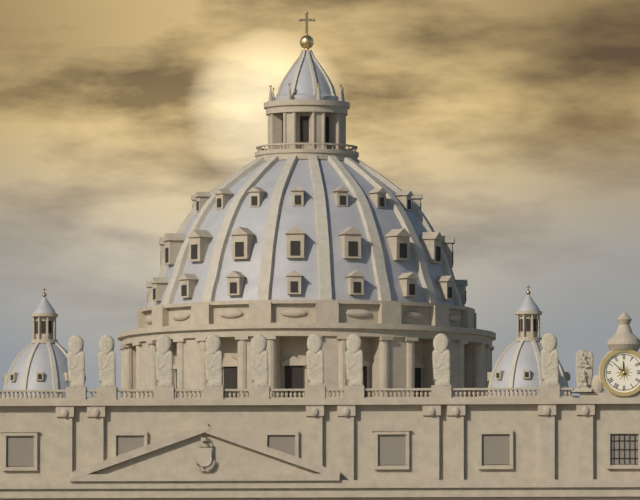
11:52
